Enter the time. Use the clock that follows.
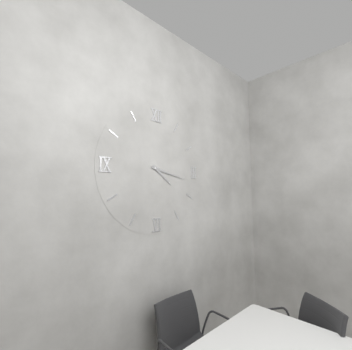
4:17
